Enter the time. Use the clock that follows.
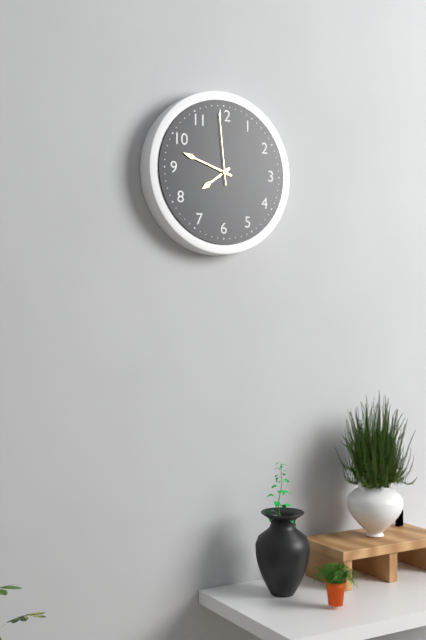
7:48:59
